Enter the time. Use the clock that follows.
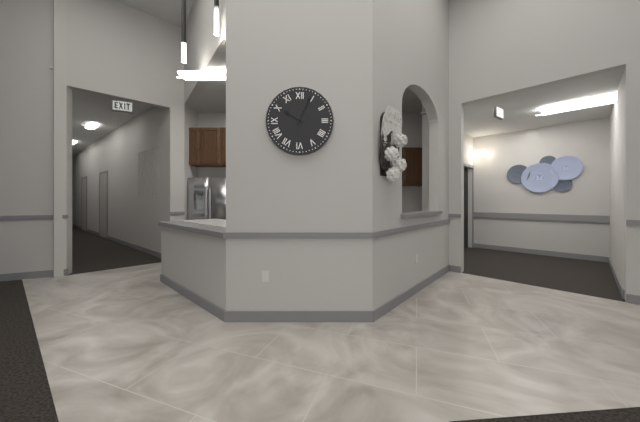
10:04
